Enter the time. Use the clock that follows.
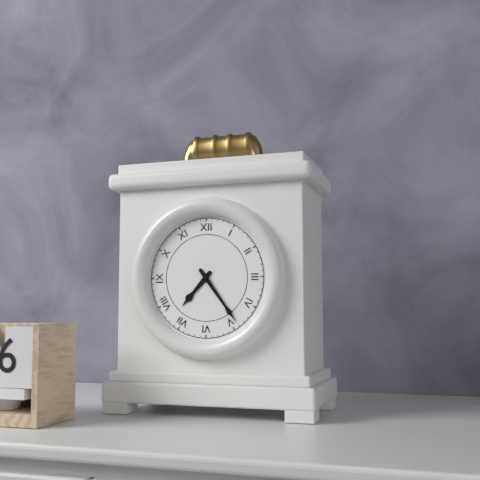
7:24
